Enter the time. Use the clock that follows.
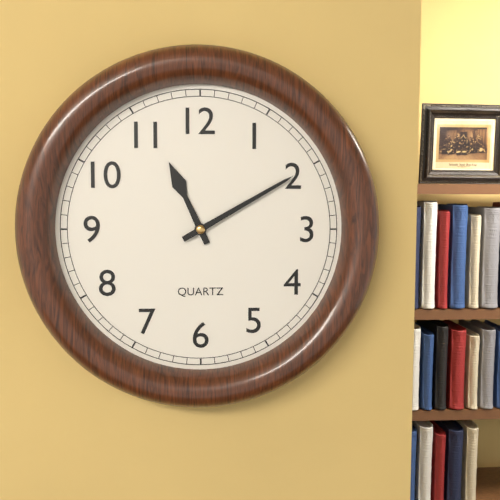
11:10
